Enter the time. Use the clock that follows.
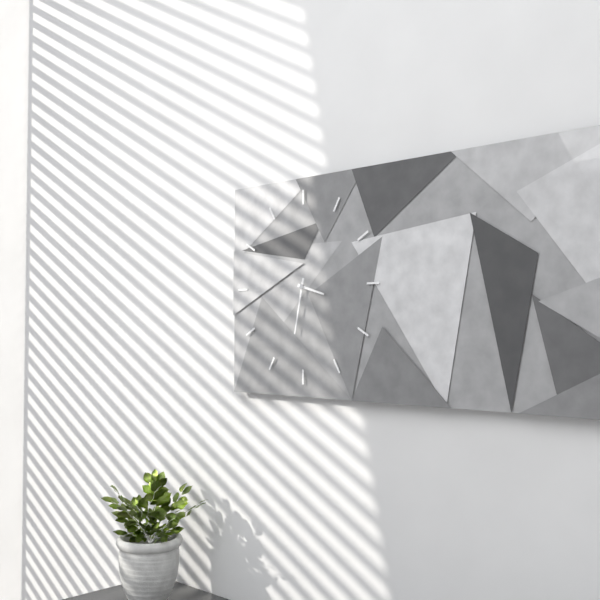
3:32
